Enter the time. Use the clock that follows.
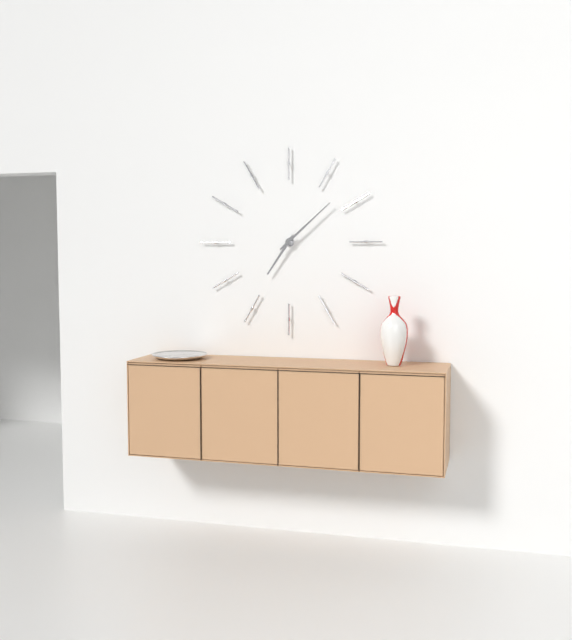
7:08
